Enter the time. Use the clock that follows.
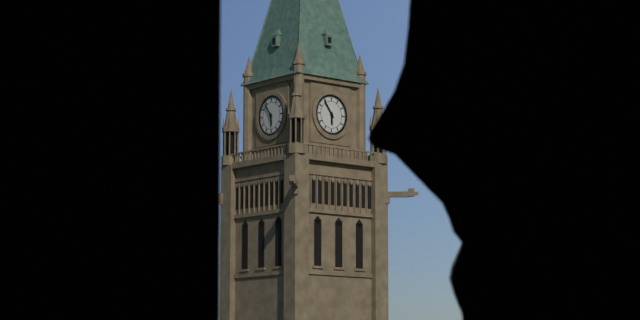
5:54
